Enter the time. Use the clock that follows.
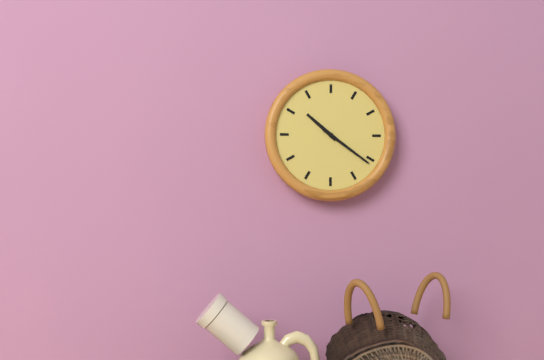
10:21
